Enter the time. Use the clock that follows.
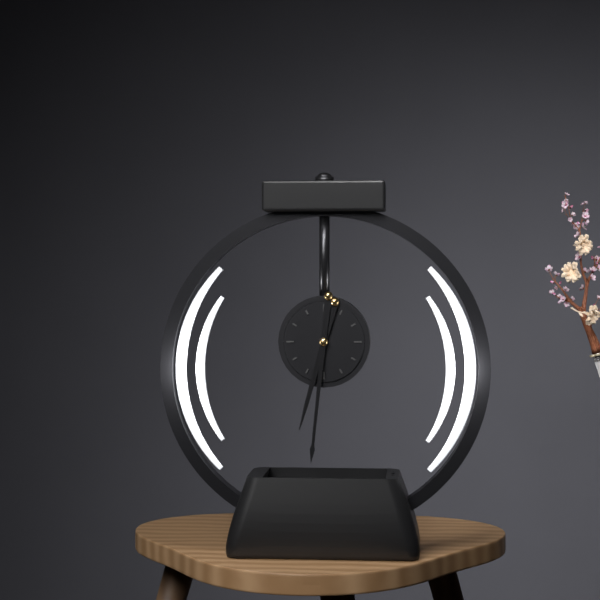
6:31
